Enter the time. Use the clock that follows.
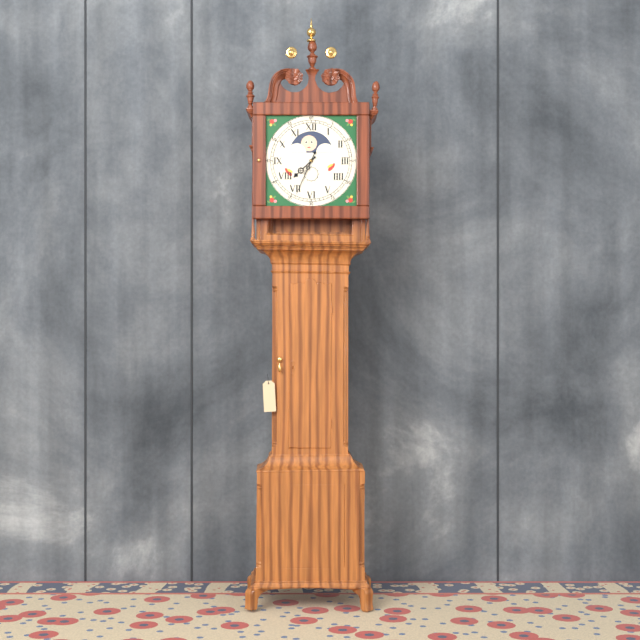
7:34
